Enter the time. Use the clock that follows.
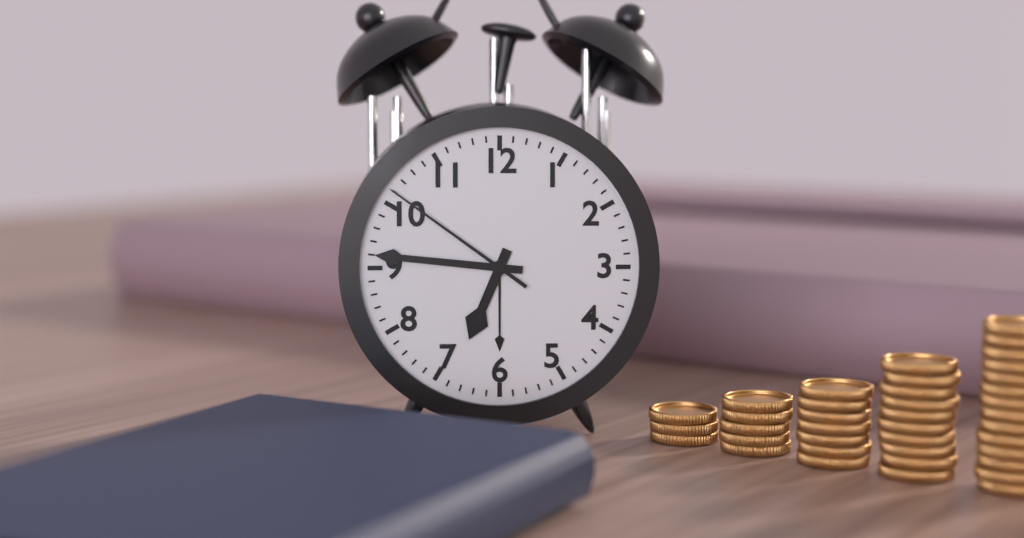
6:46:51
